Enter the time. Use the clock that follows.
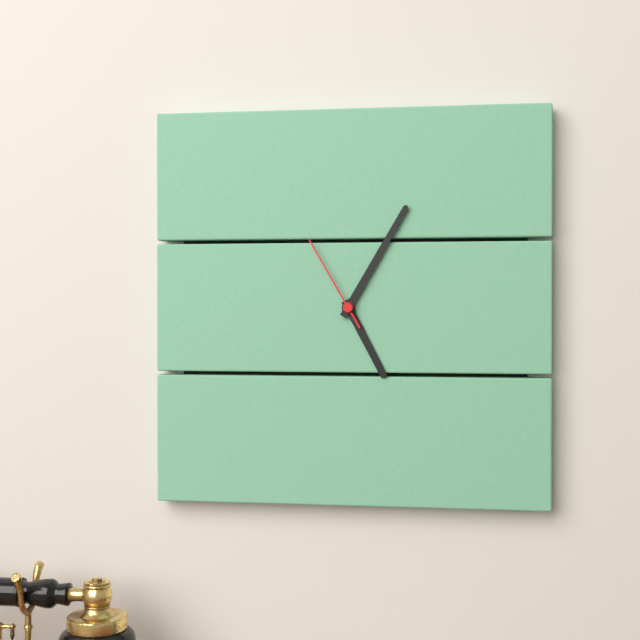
5:05:55
